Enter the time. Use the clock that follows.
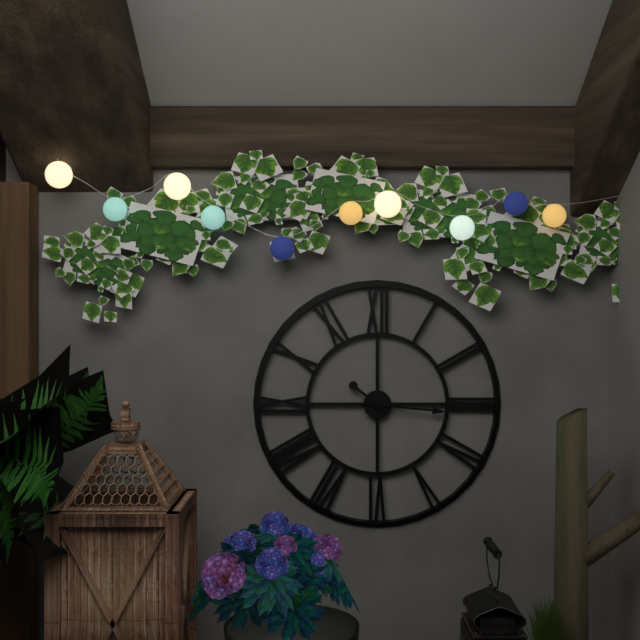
10:16
